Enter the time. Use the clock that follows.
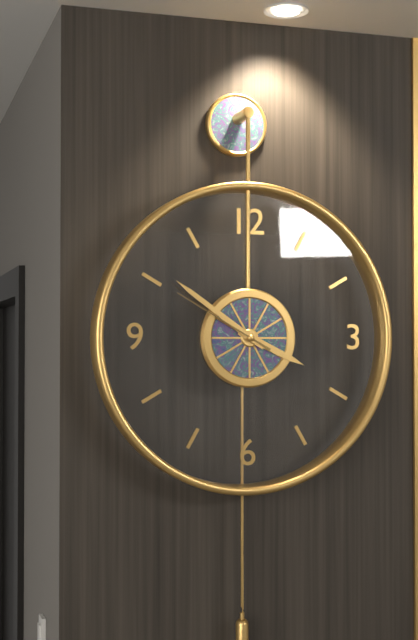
3:51:50
